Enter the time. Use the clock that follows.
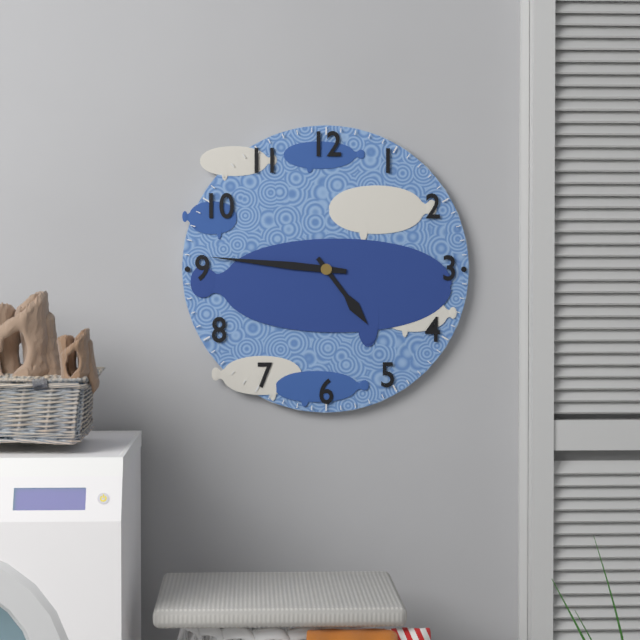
4:46
